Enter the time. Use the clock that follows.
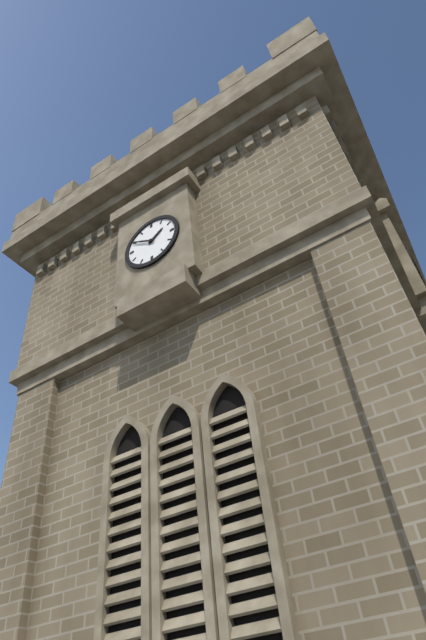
1:50
